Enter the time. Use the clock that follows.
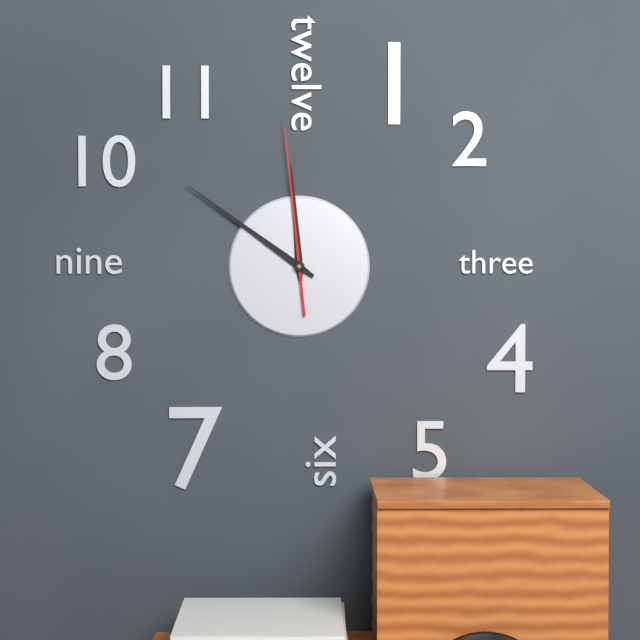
11:51:59
